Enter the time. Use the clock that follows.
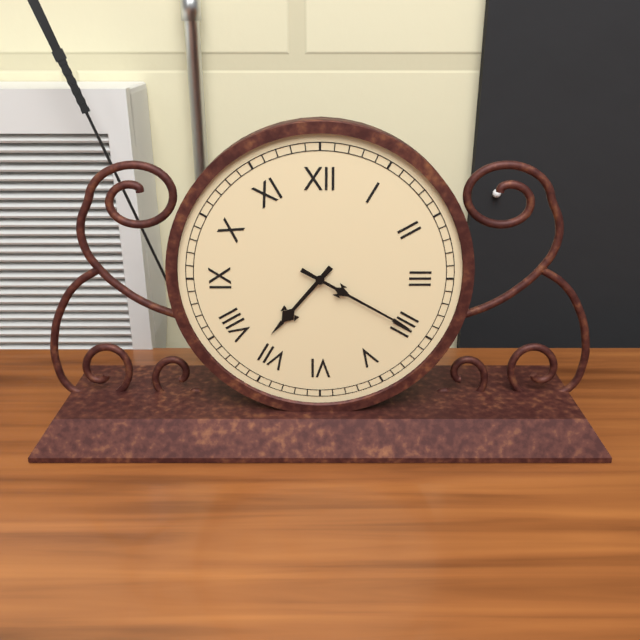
7:20
